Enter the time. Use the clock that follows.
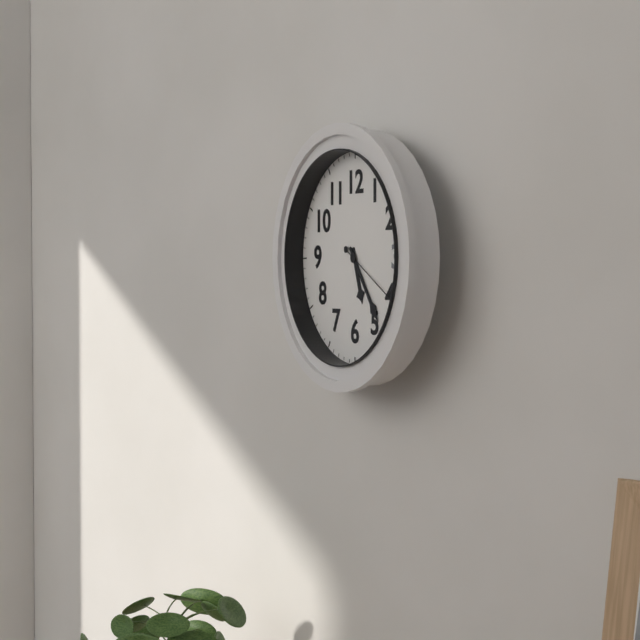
5:24:20
